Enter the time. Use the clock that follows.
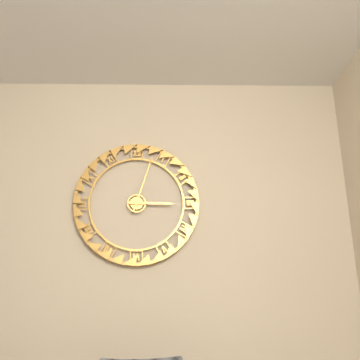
3:03
